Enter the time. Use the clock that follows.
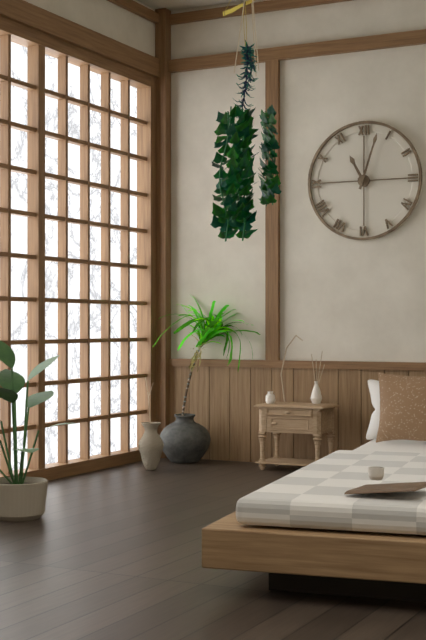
11:03
